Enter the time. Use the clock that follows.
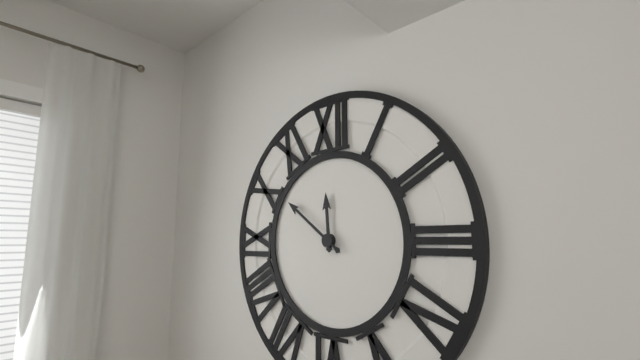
11:51
